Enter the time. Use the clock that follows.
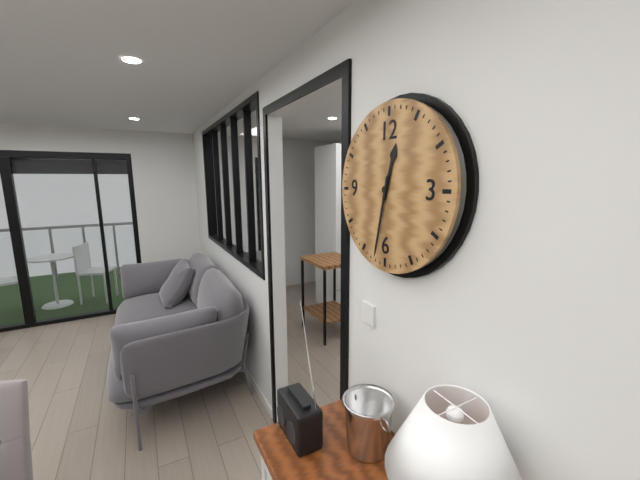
12:32
